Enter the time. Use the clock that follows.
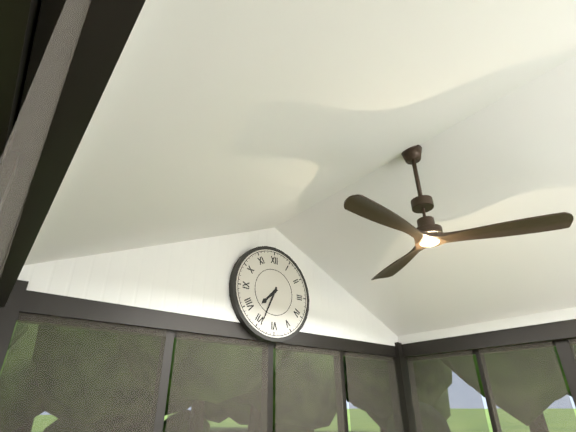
7:34
